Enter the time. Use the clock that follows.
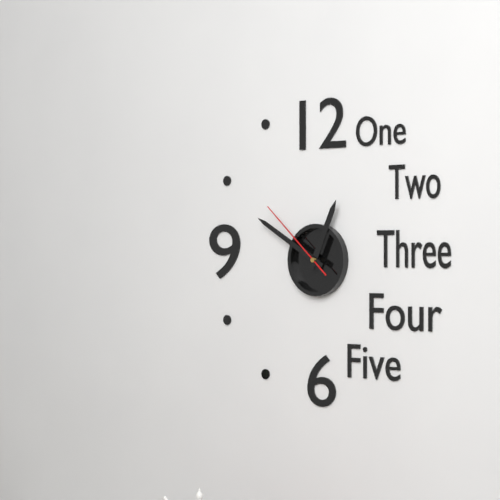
12:50:52
